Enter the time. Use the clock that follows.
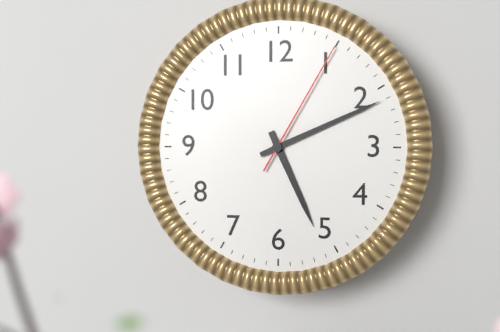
5:11:05
